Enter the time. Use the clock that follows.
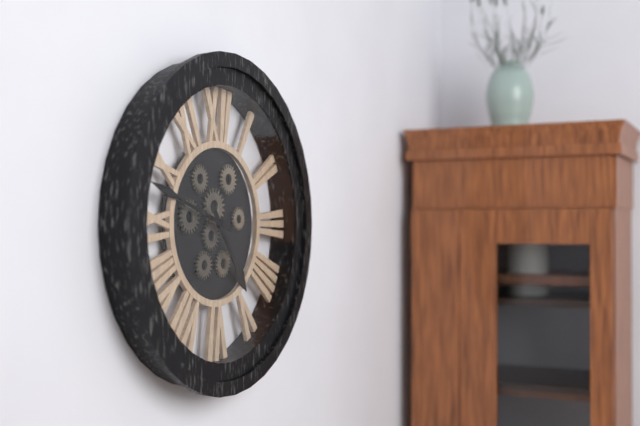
4:48
